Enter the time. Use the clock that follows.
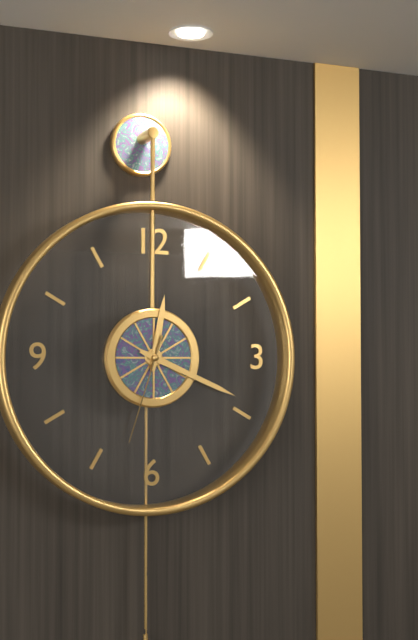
12:19:33
